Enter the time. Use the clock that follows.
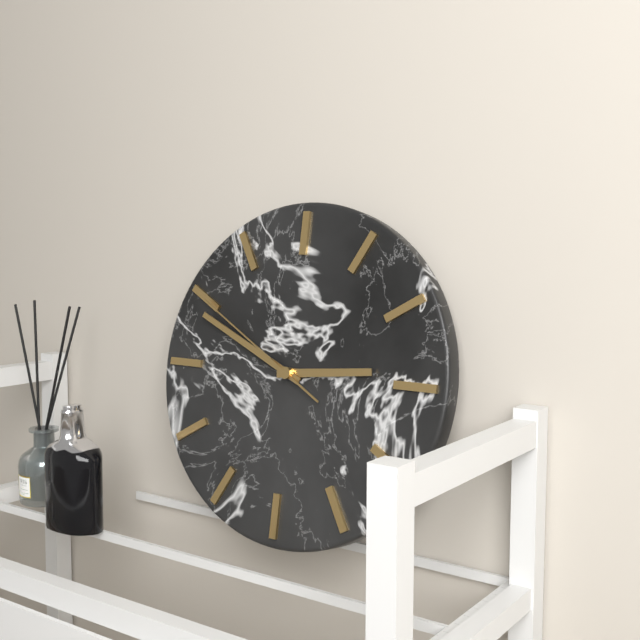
2:49:50
